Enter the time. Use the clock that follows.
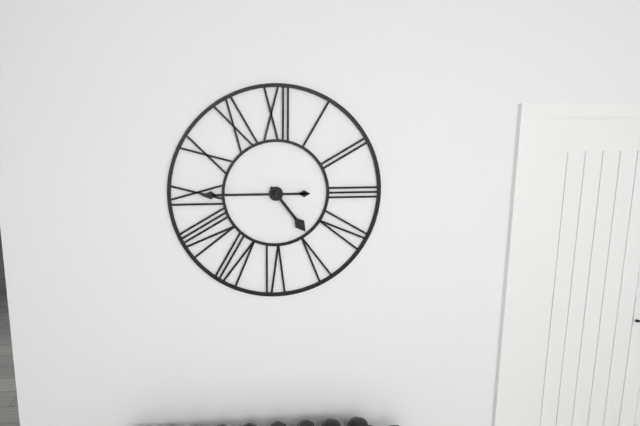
4:45
